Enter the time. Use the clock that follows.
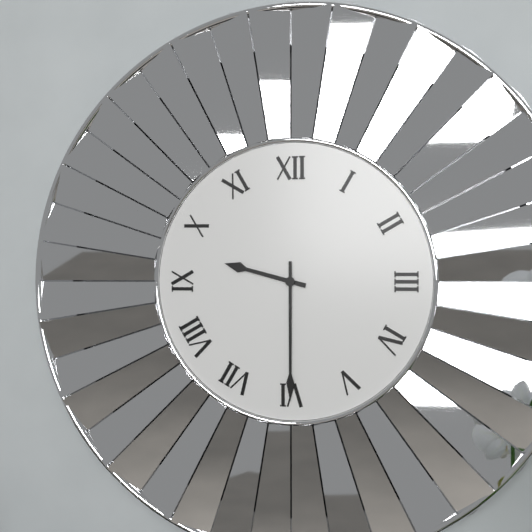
9:30
